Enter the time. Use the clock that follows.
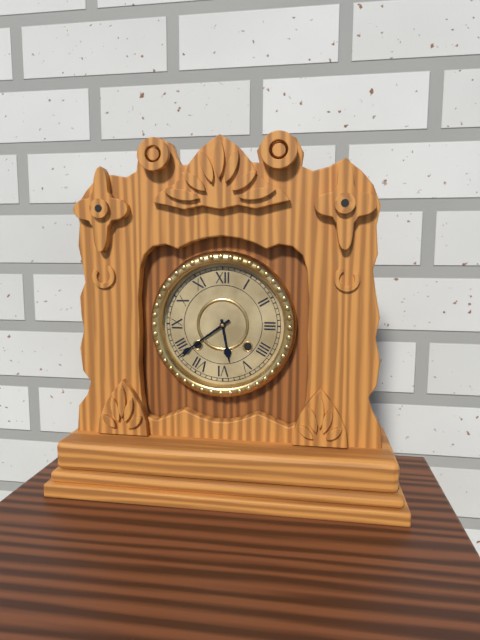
5:39
